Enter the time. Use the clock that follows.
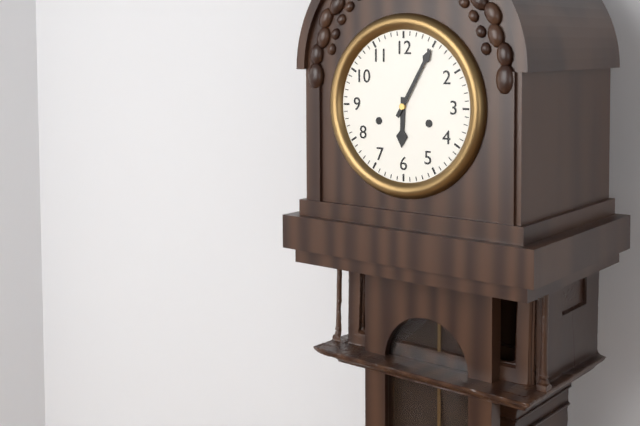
6:05
